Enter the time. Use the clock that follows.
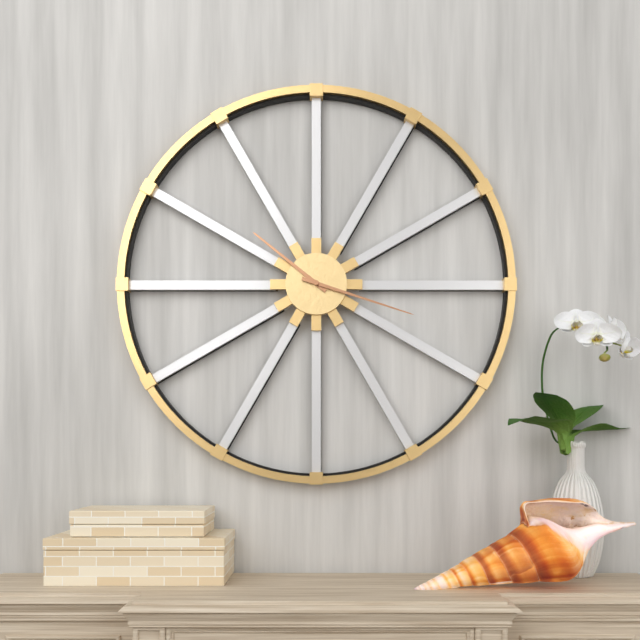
10:18
